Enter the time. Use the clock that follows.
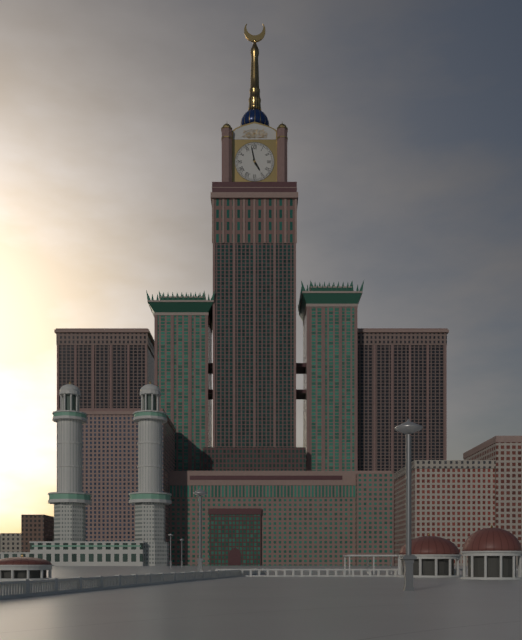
4:58
